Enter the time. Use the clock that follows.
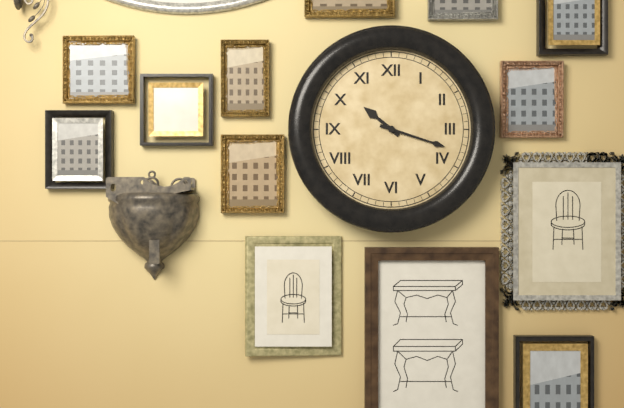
10:18
